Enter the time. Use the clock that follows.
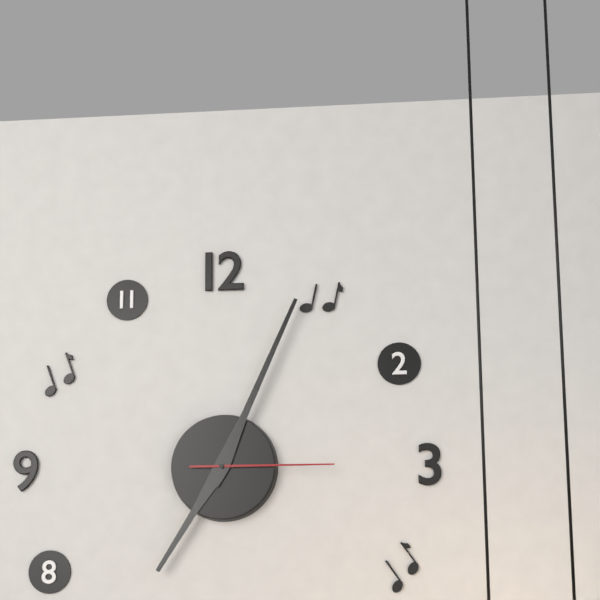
7:04:15
